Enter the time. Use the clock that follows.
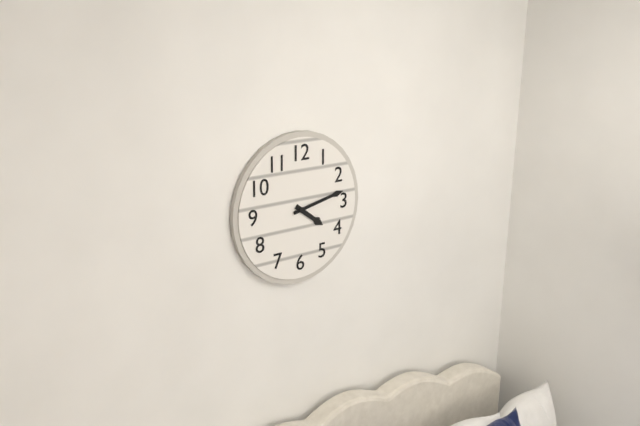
4:13
